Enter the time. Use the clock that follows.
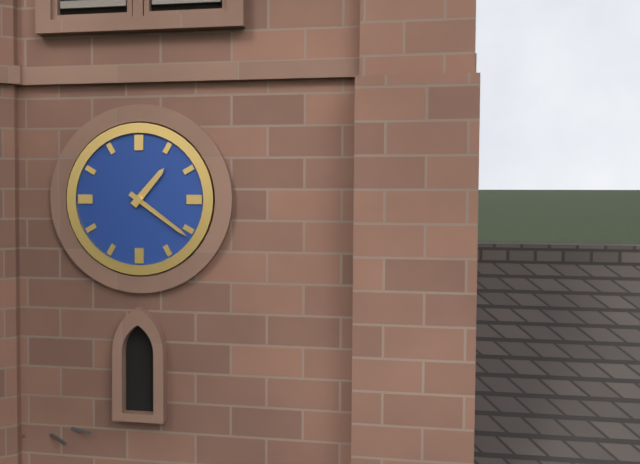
1:21
